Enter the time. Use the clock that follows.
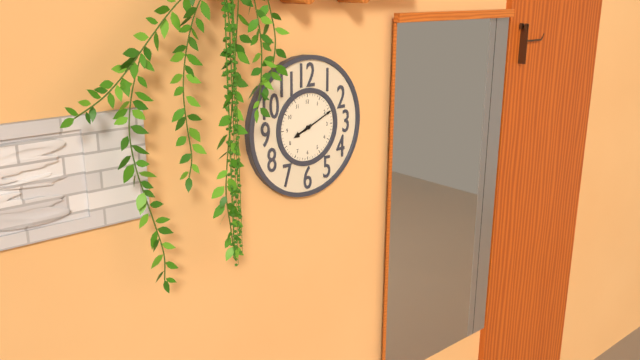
8:11
